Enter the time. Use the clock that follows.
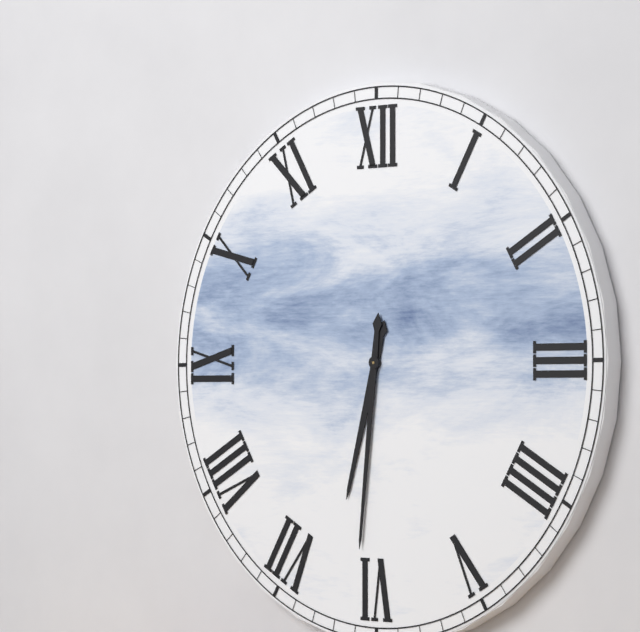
6:31
